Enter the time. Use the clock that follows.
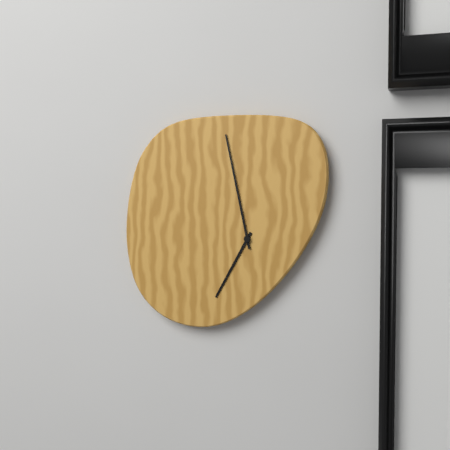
6:58
